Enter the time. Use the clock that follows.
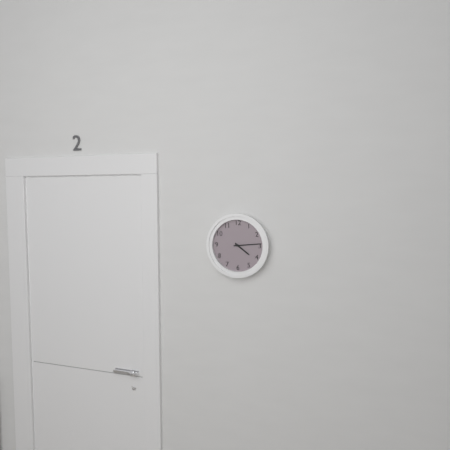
4:14
